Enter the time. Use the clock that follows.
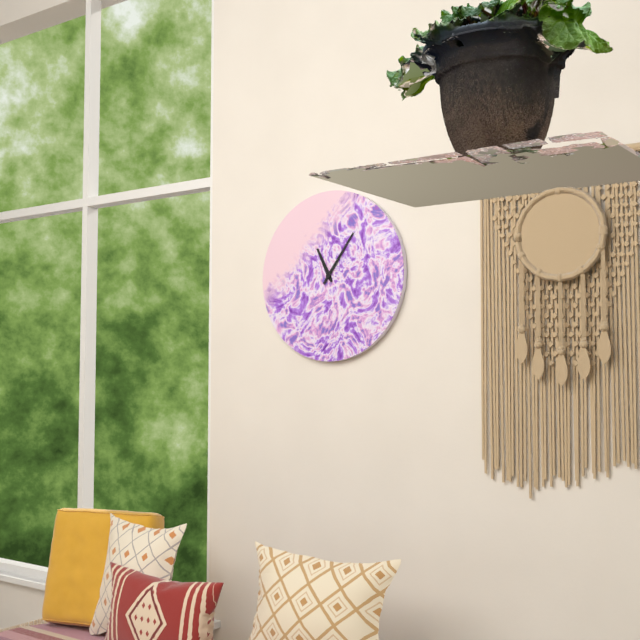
11:06
